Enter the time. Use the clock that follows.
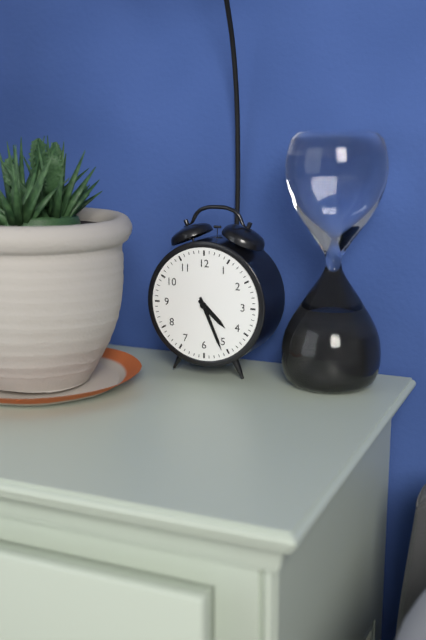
4:26
